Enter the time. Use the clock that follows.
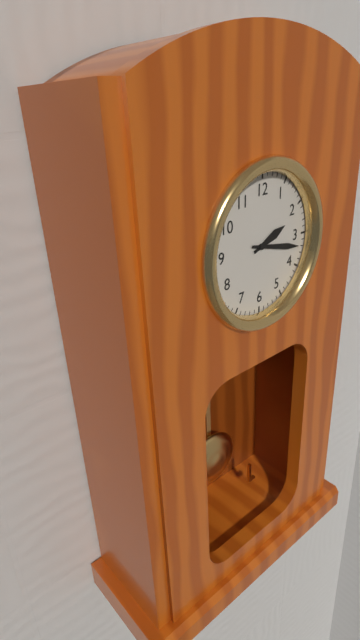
2:17
